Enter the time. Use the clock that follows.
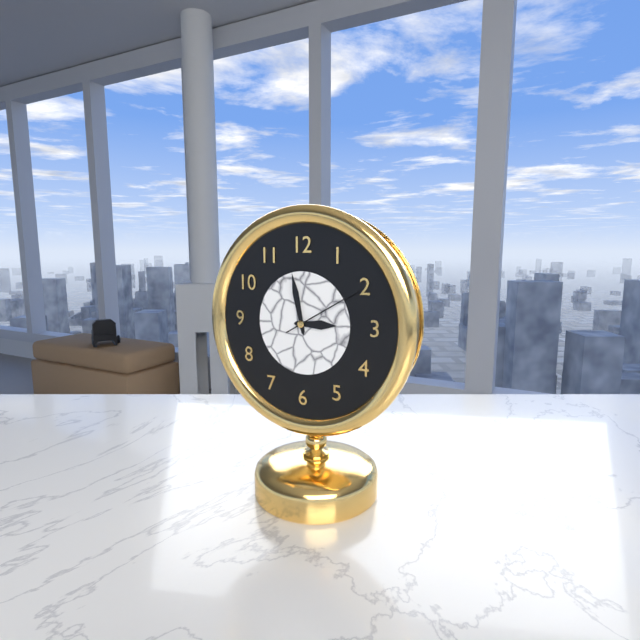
2:58:10
